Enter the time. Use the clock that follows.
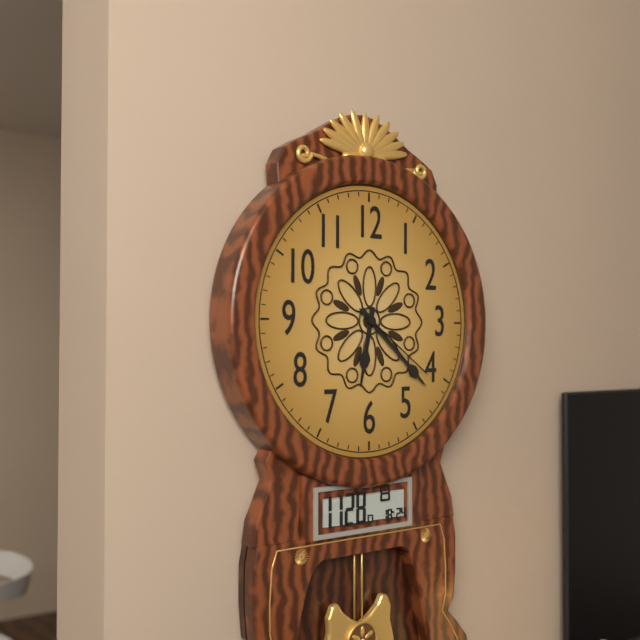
6:22:21
